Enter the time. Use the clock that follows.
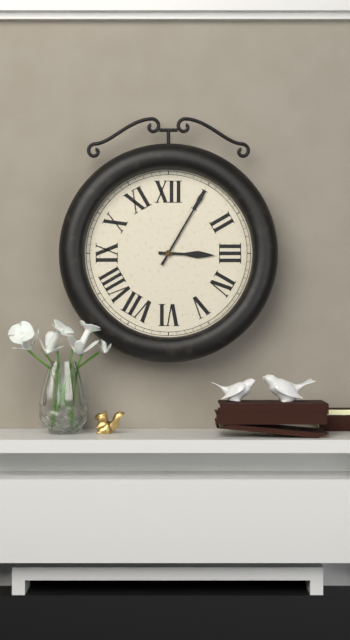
3:05
